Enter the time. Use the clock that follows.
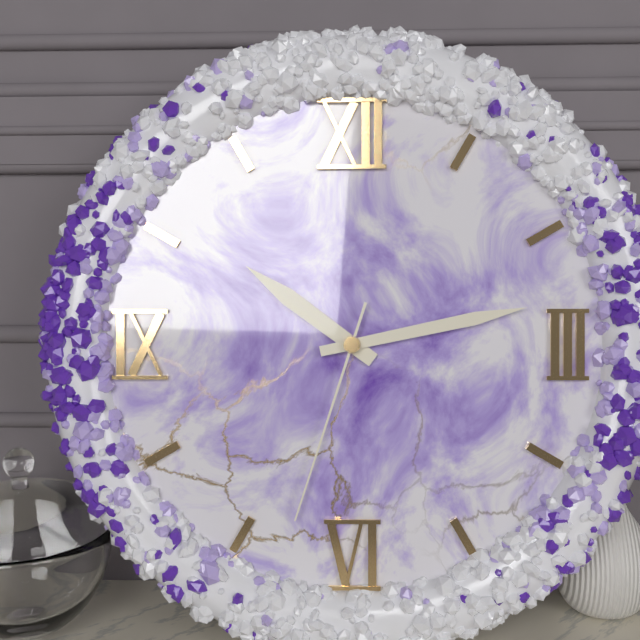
10:13:33
